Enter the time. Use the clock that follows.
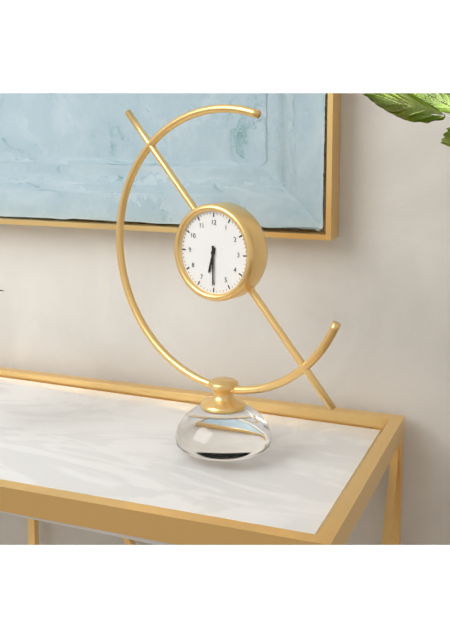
6:30
